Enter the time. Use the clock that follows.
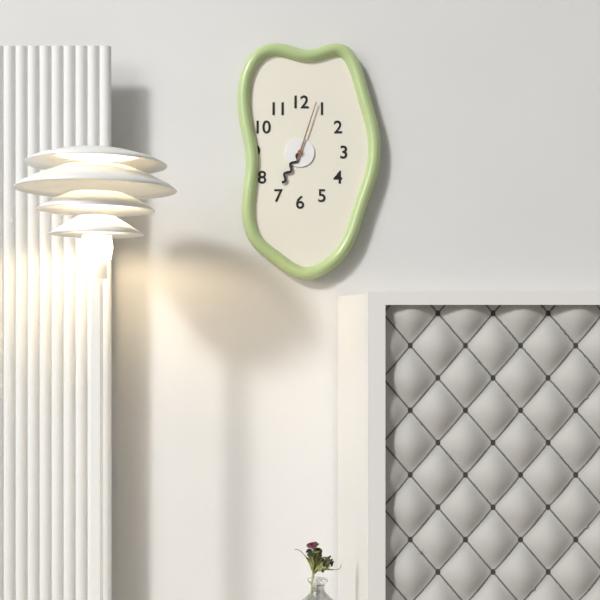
7:03
